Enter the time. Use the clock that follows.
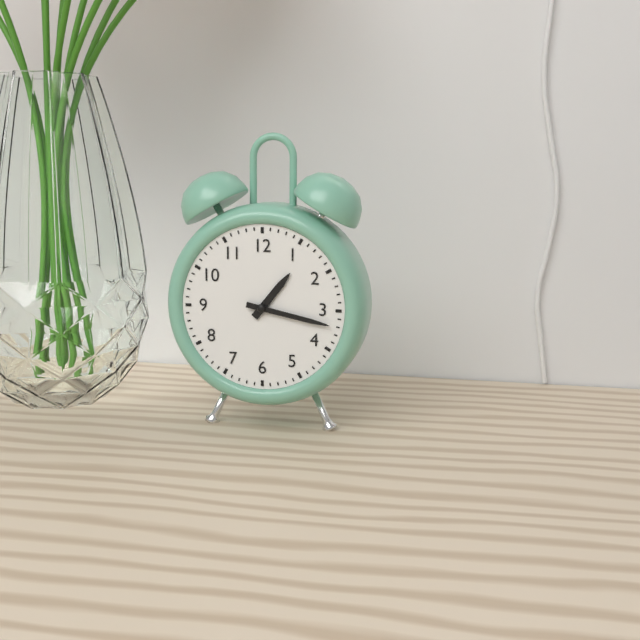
1:17
